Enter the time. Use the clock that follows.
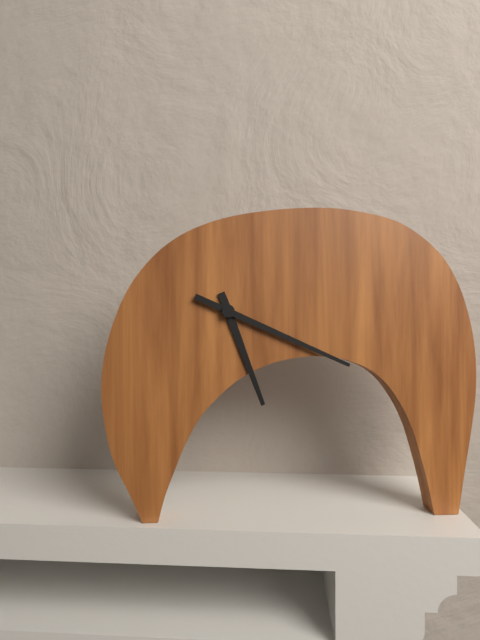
5:19
